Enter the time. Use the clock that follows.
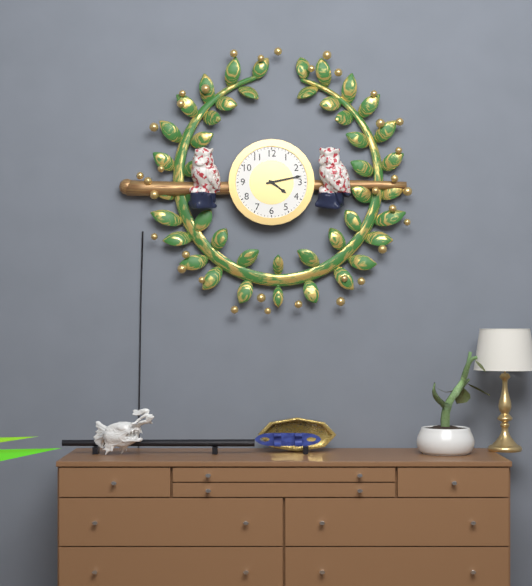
4:13
